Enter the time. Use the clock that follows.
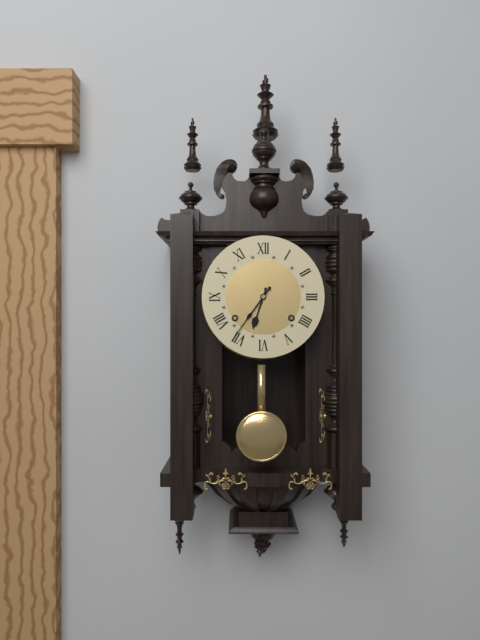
6:36
